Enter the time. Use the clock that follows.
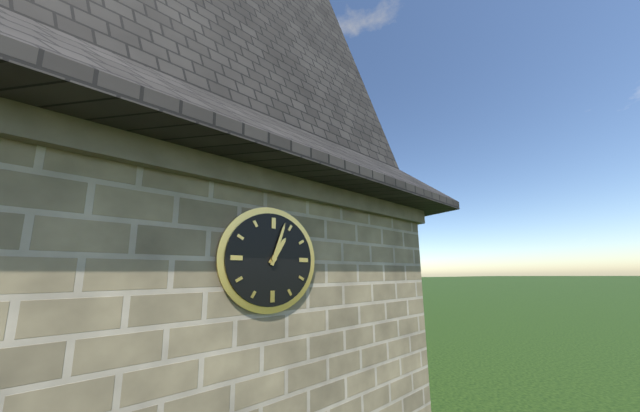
1:03
